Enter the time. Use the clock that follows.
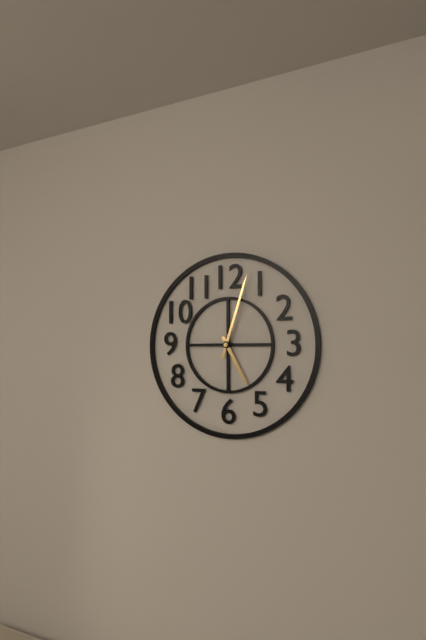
5:03
